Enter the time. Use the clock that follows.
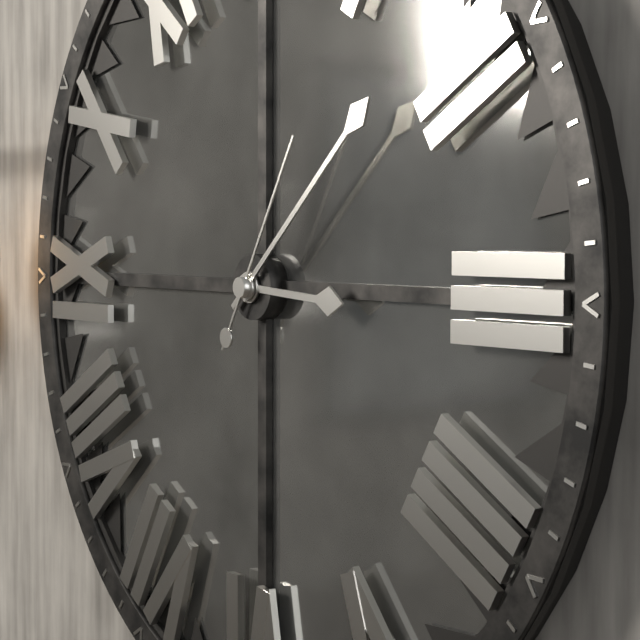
3:08:05
